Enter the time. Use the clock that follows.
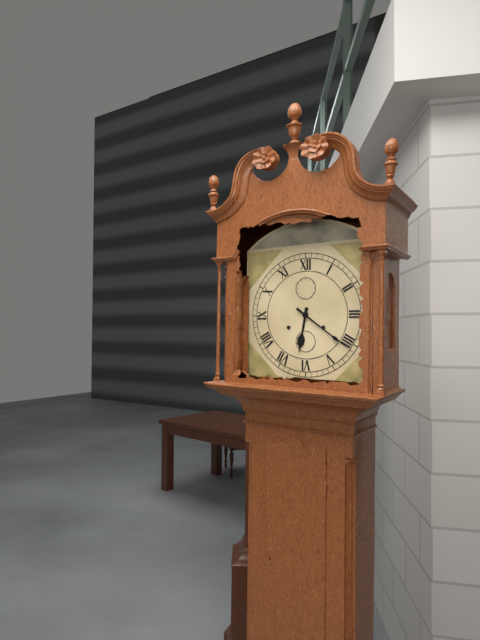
6:21
